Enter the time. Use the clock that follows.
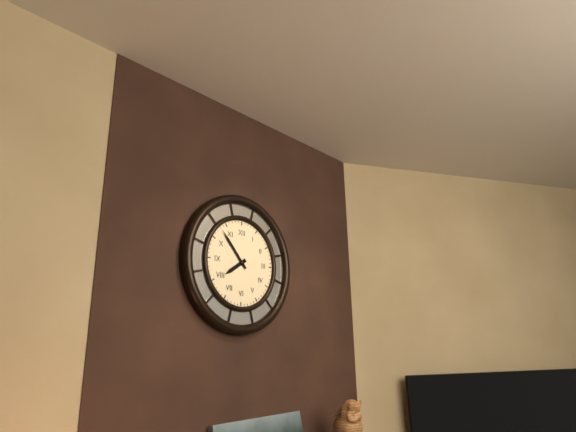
7:53
